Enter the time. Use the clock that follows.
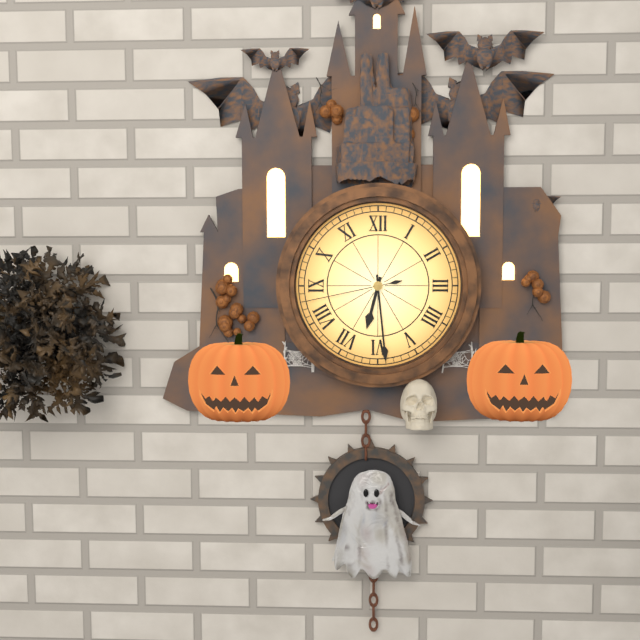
6:29:43
